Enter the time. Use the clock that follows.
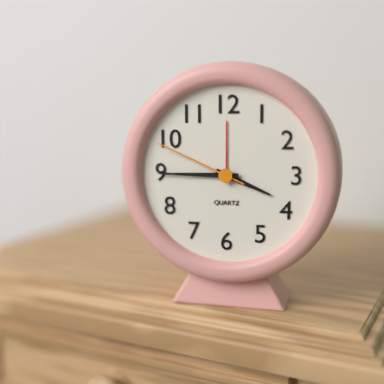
3:45:49
